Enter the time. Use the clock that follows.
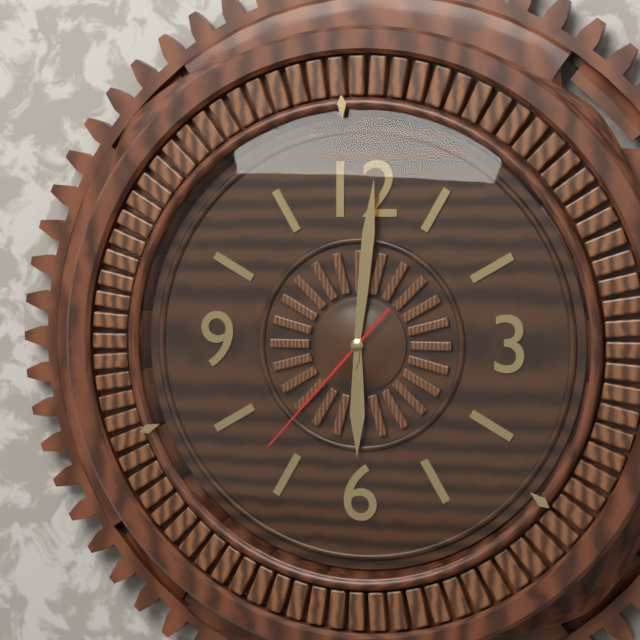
6:01:37
